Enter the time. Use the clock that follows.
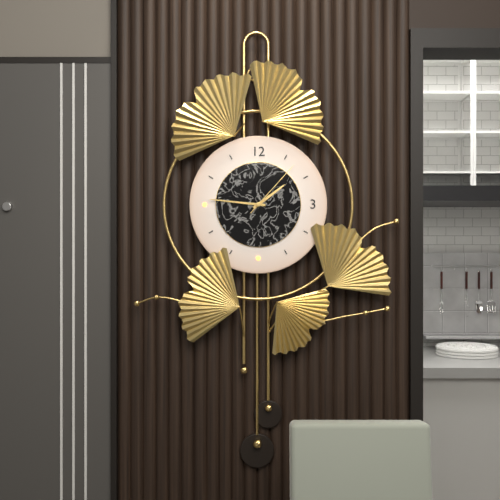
1:46:07
